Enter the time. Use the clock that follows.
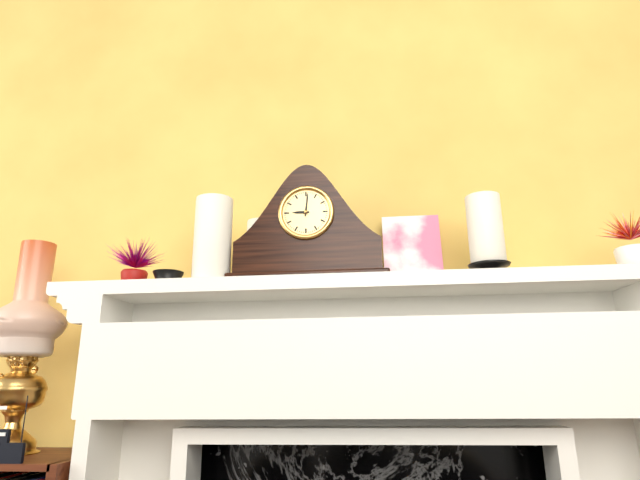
9:01
